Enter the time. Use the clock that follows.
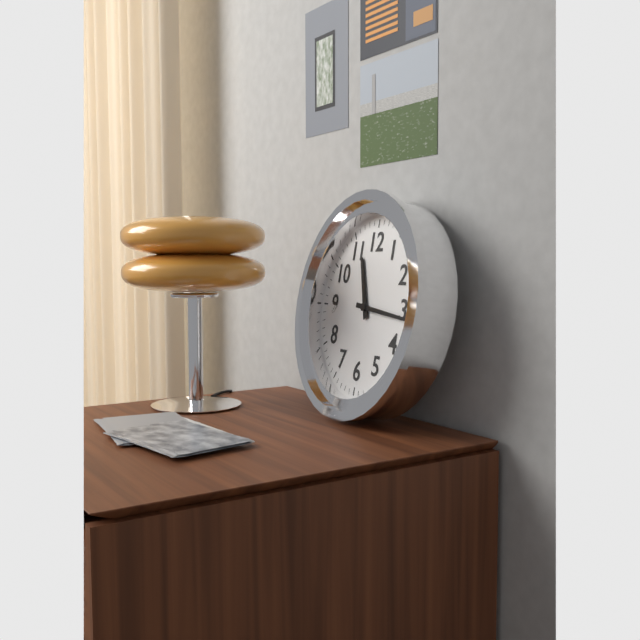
11:16
